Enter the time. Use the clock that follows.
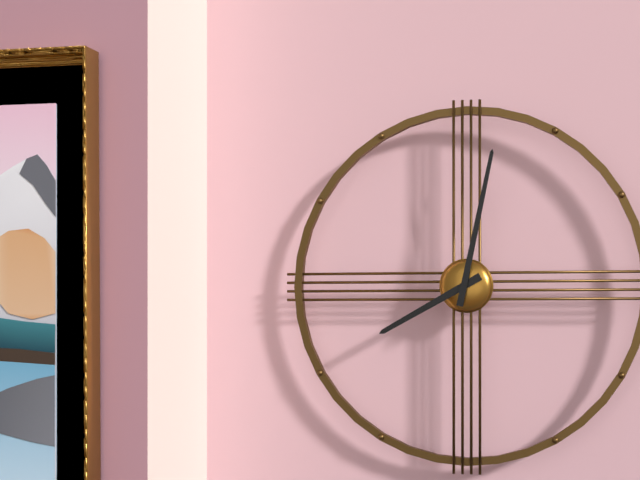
8:02
